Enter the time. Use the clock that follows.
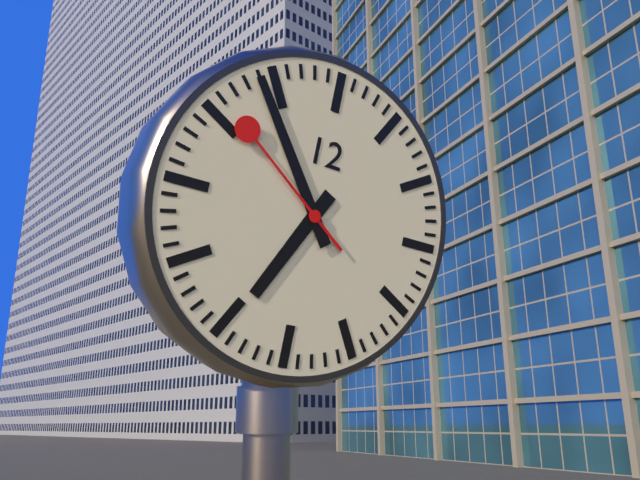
6:54:51
